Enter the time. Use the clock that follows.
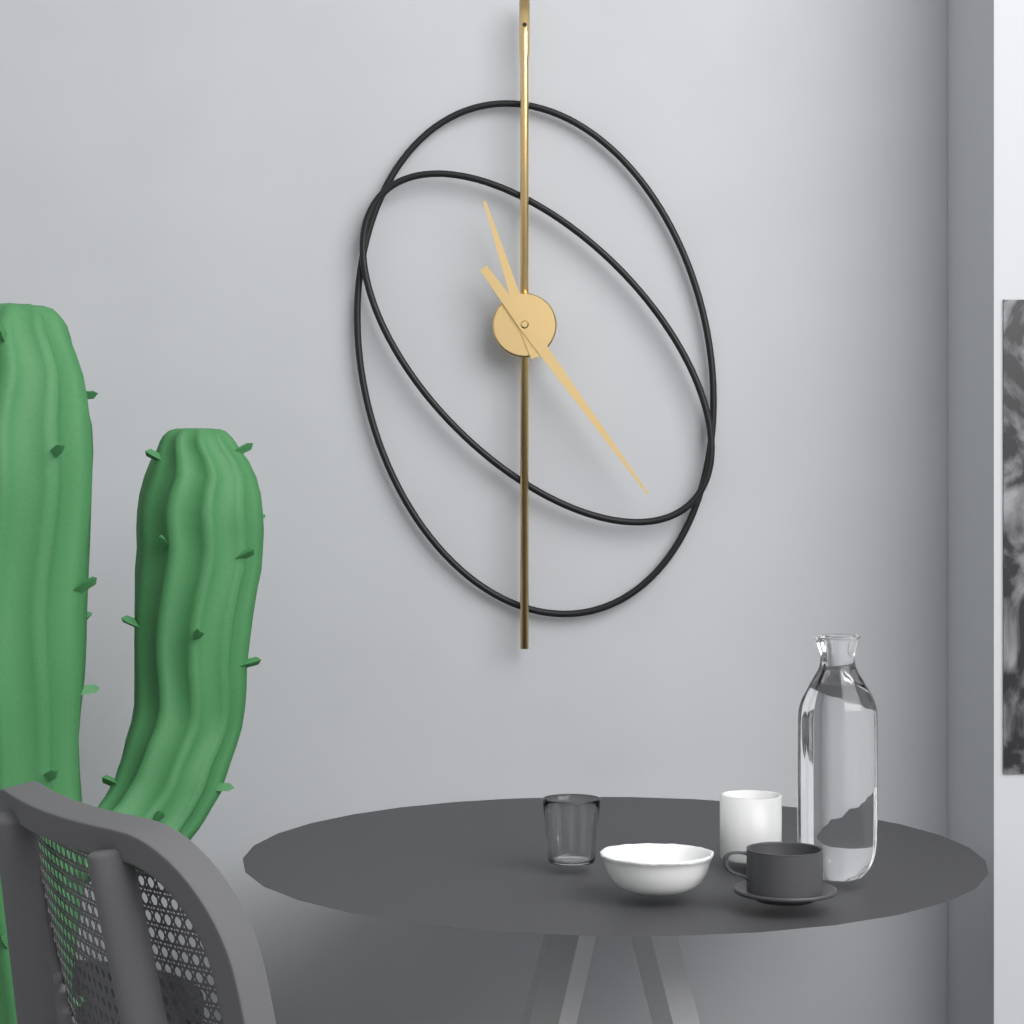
11:24
